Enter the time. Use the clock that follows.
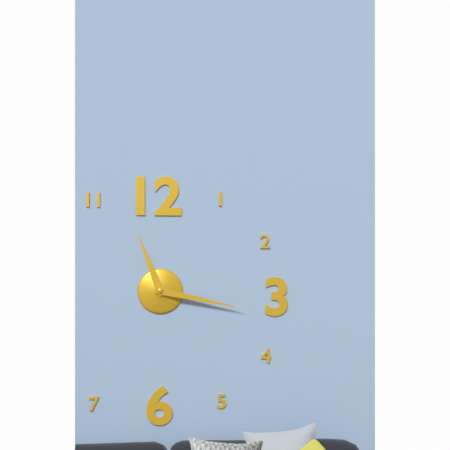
11:17
